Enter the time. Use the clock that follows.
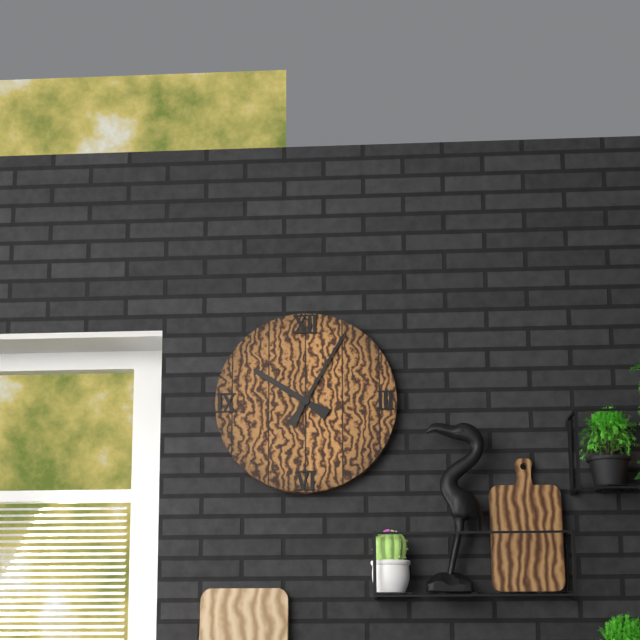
10:05
